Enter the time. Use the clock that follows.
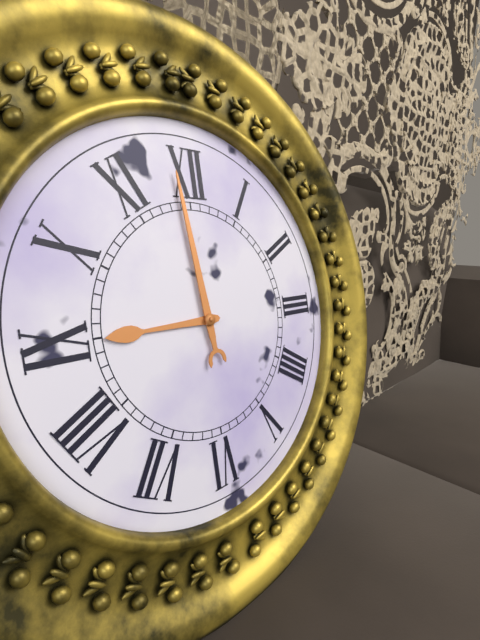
8:59
